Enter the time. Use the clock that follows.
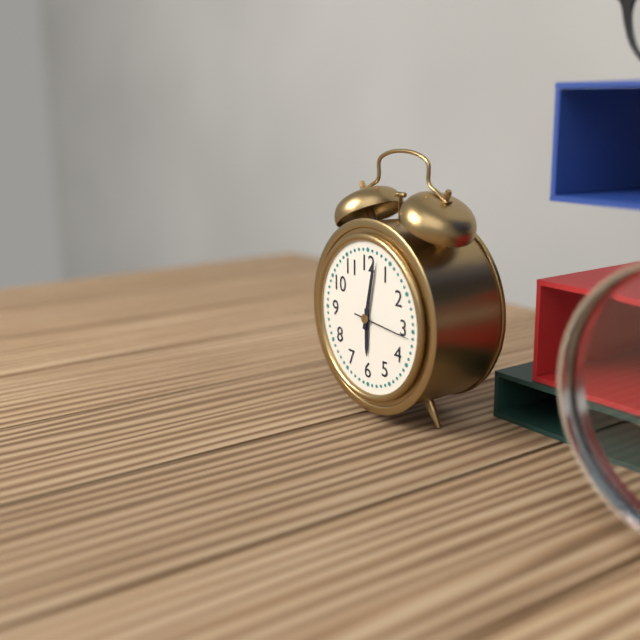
6:02:16
